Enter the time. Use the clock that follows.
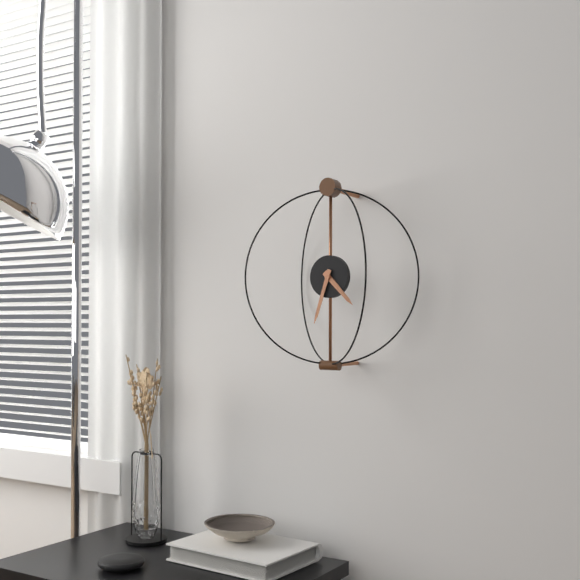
4:33
